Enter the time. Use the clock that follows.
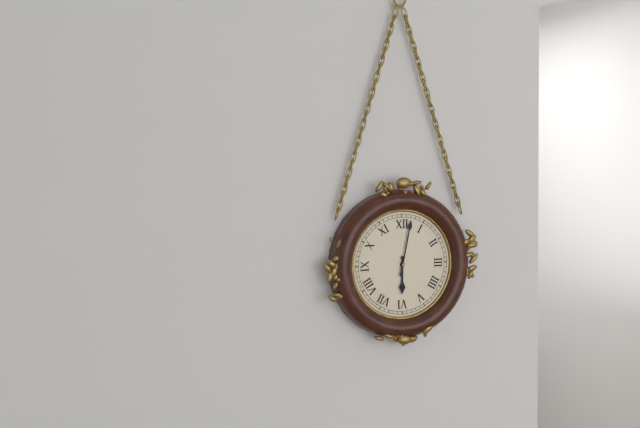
6:02
